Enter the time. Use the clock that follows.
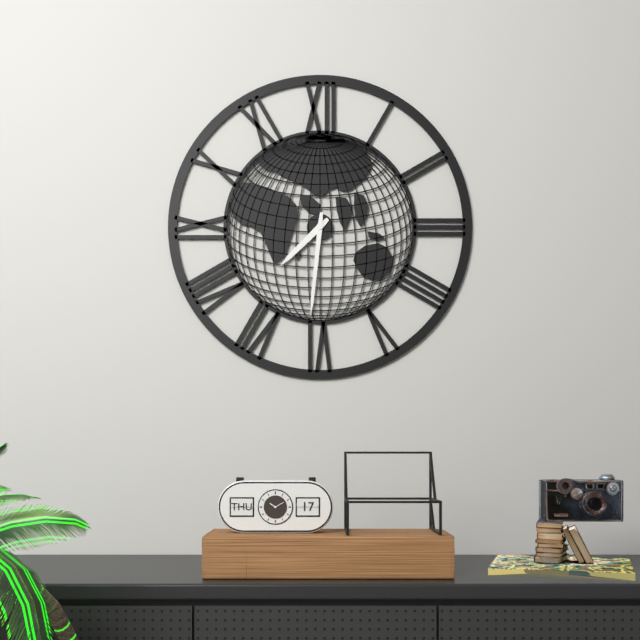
7:31
